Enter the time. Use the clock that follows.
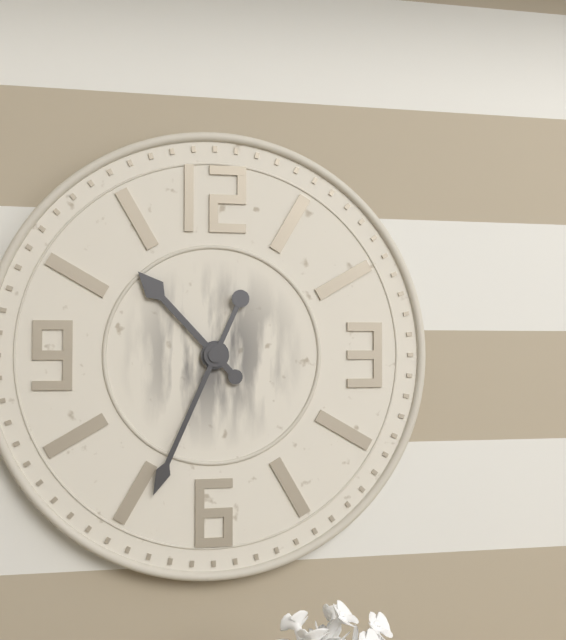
10:34
